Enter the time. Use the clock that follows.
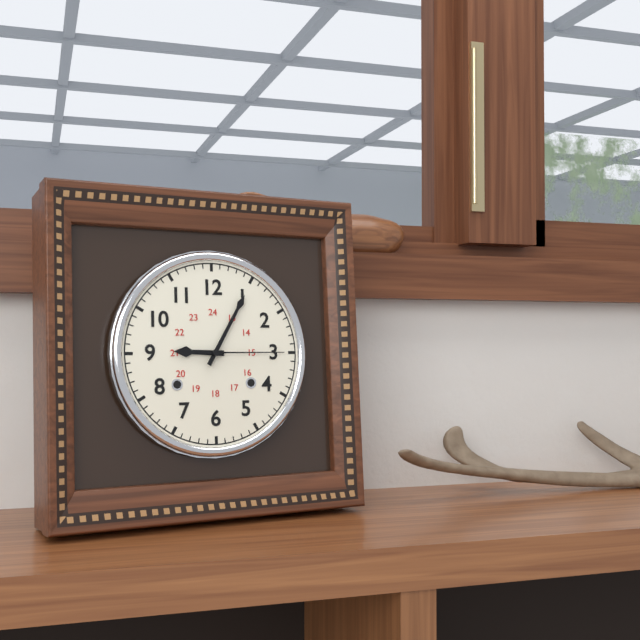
9:05:15
